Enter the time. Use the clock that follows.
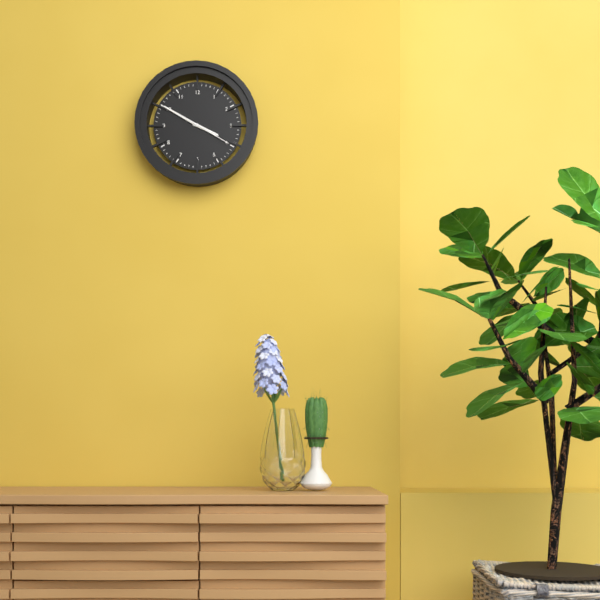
3:50
